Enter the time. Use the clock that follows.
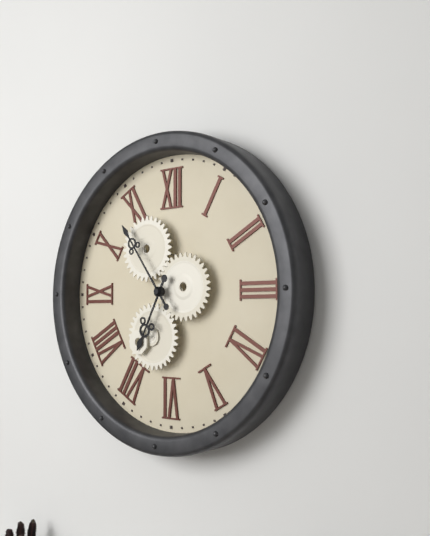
6:54
